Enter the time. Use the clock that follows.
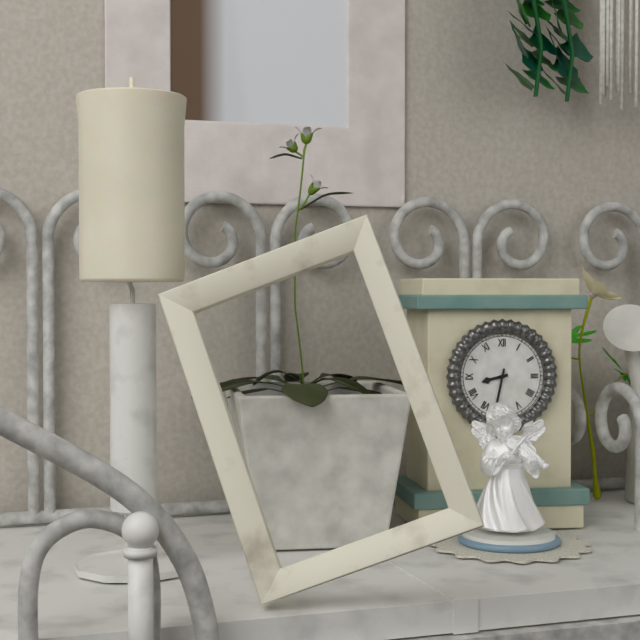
8:32
